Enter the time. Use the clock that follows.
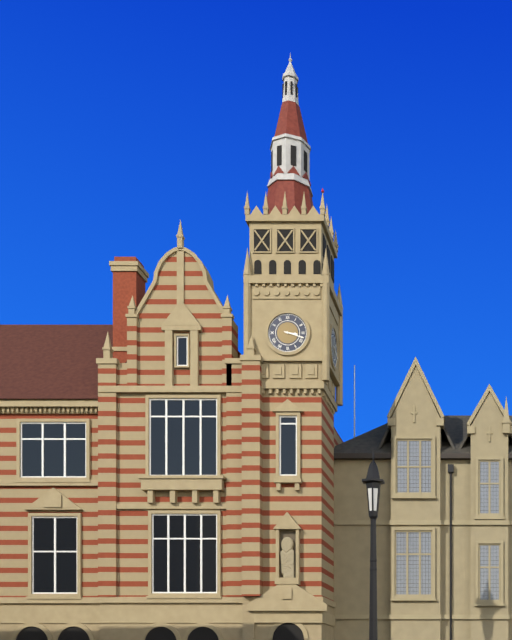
3:18
